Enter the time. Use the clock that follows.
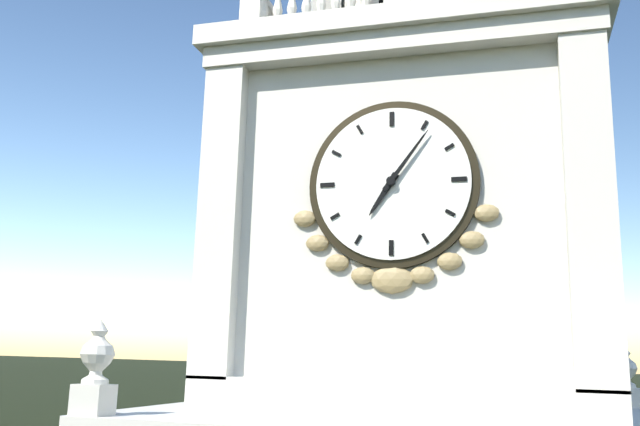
7:06
